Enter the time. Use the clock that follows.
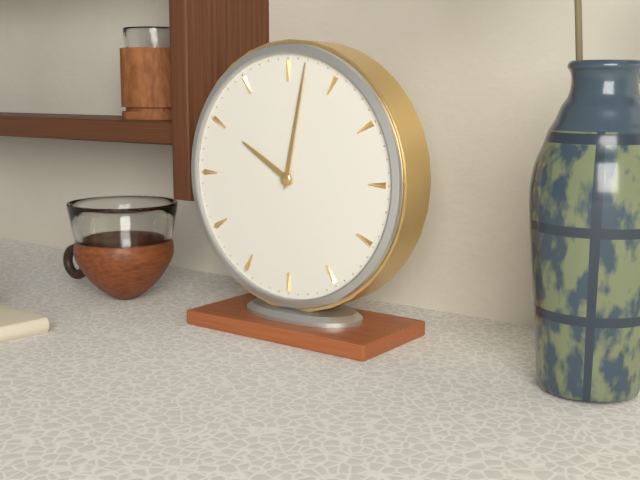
10:02
